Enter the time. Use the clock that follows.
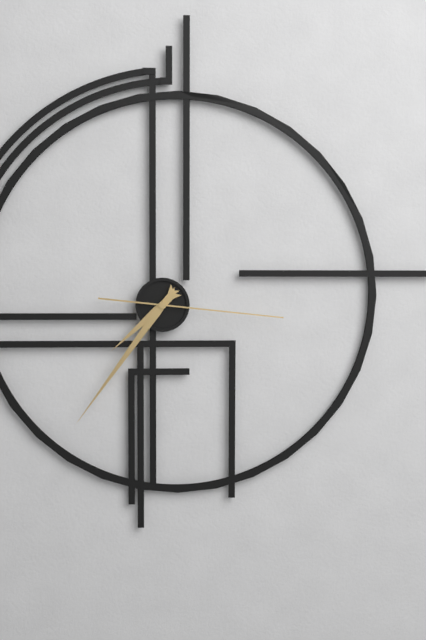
7:36:16
